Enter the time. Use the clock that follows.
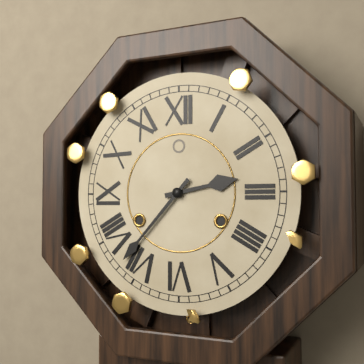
2:37
